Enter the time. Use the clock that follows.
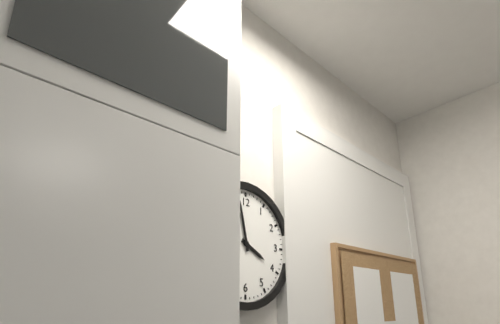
3:58
